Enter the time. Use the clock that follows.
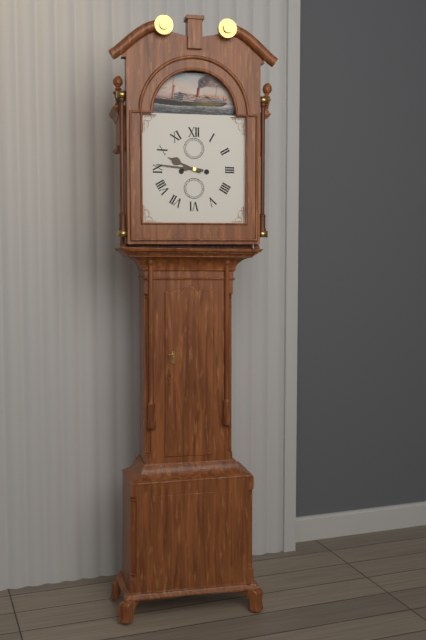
9:46
